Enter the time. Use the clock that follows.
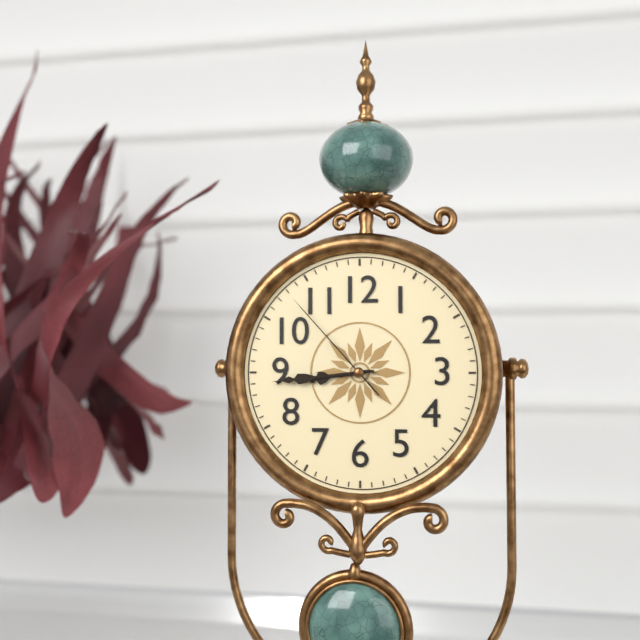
8:44:53
